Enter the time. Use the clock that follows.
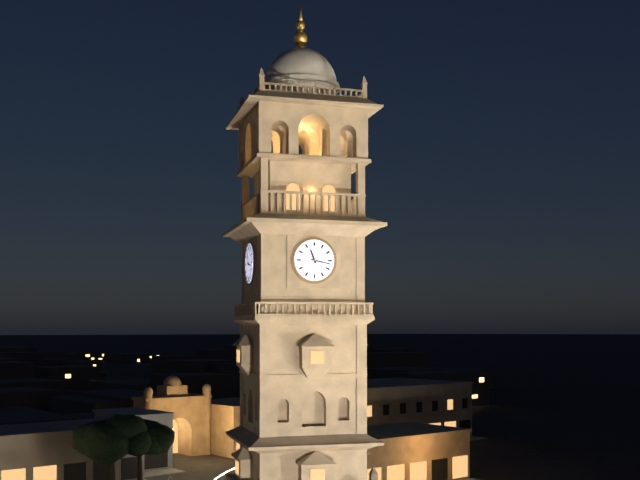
11:17
